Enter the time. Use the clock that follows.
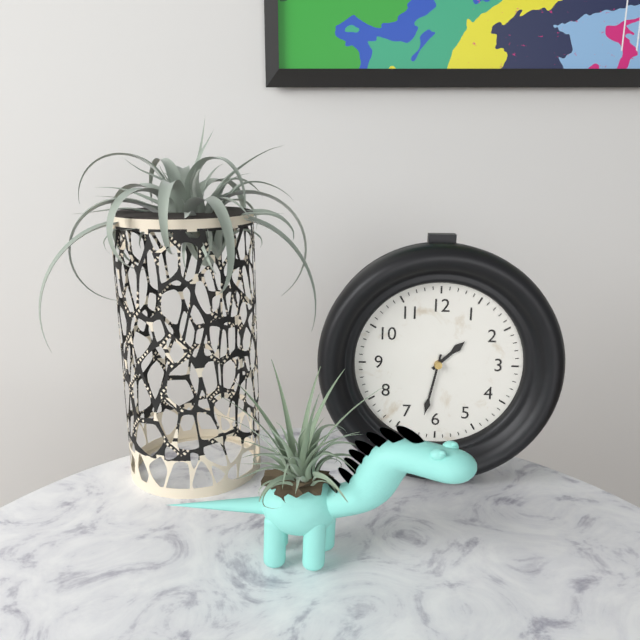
1:32
